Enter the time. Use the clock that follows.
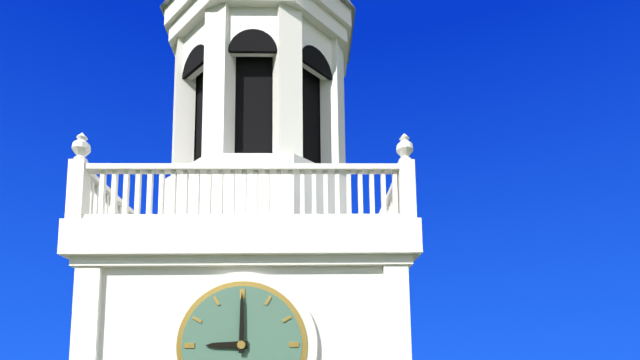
9:00
